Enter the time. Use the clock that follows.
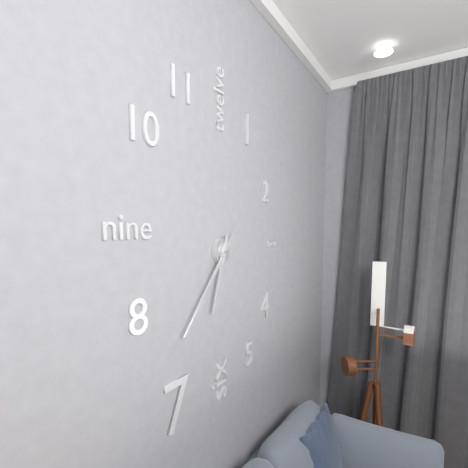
6:37
